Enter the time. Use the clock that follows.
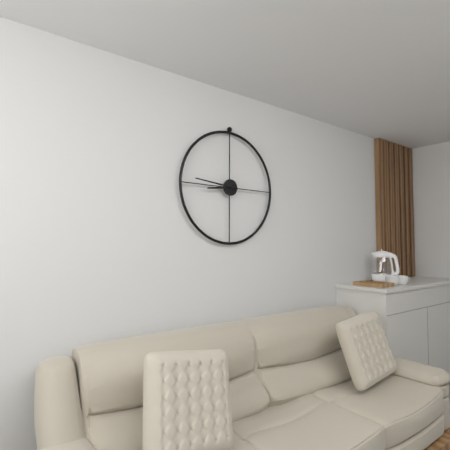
8:46
